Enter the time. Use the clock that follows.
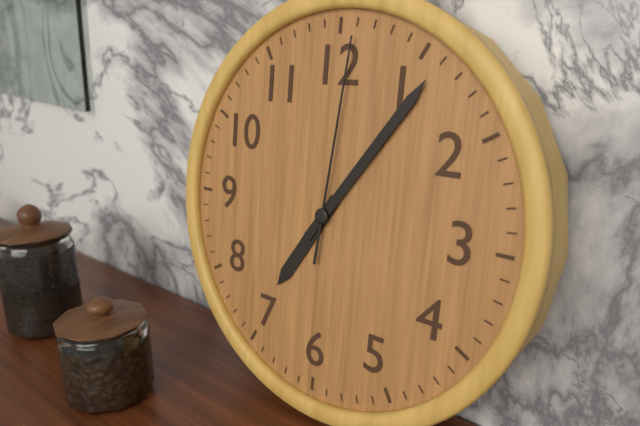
7:06:01
